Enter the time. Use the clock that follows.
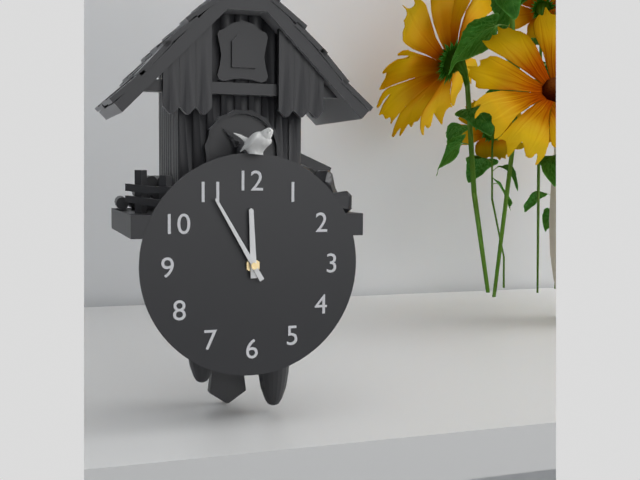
11:55
